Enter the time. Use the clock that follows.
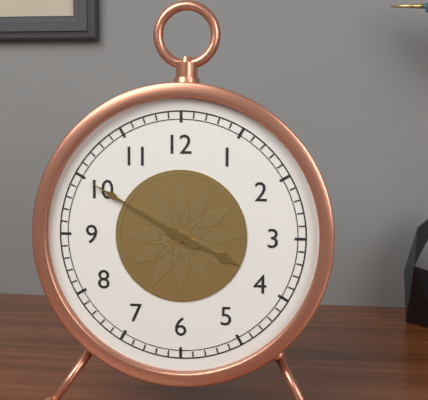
3:50
